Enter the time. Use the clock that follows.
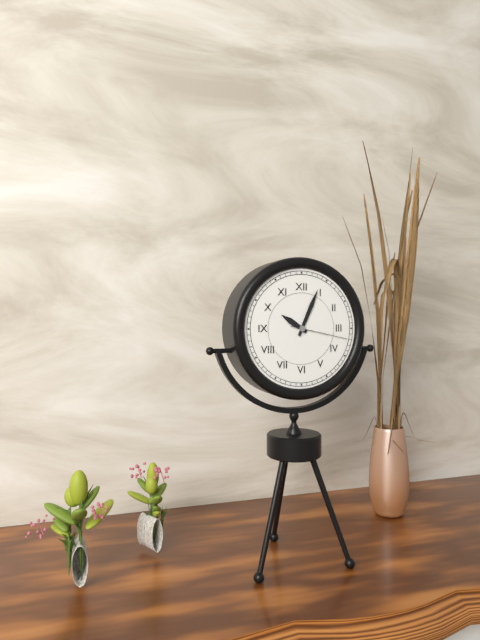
10:04:17
